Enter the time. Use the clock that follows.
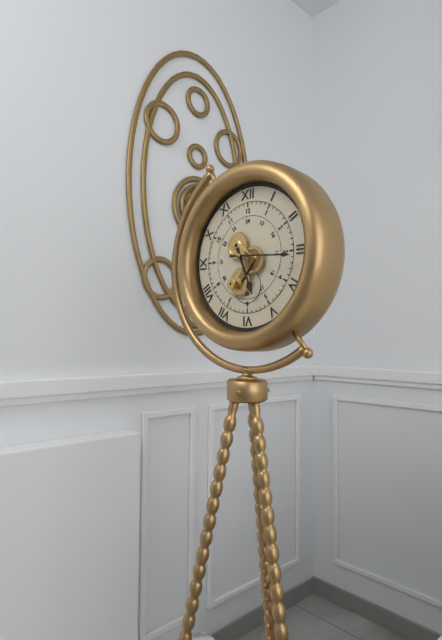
5:16
